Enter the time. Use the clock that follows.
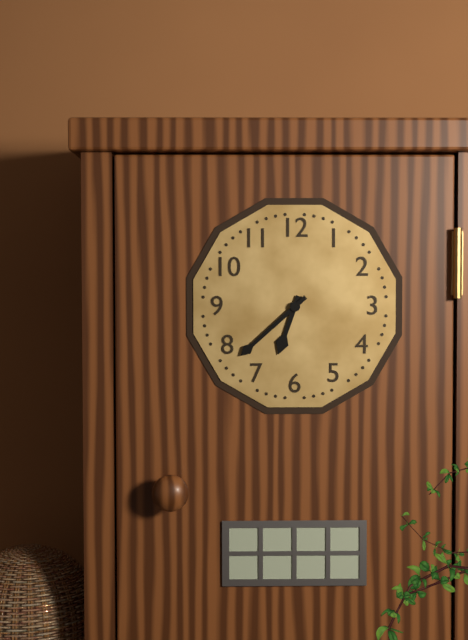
6:38
